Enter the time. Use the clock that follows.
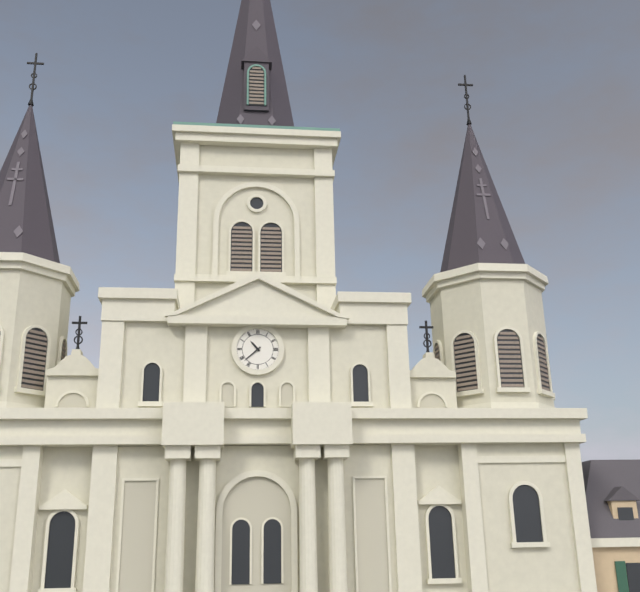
10:38
